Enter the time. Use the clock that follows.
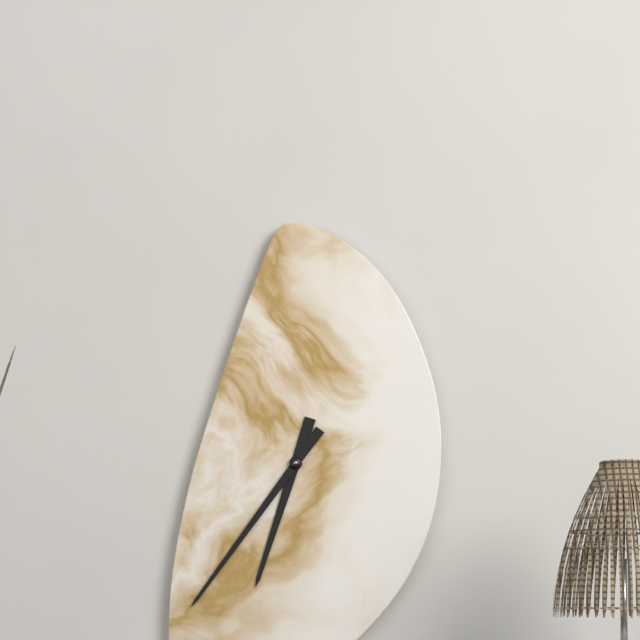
6:36
